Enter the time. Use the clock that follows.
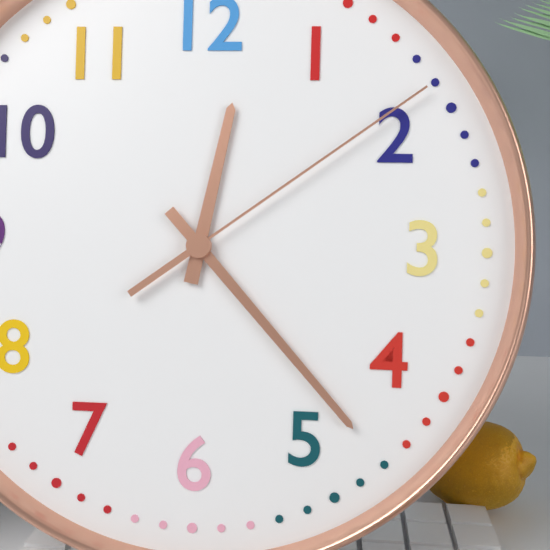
12:23:09
